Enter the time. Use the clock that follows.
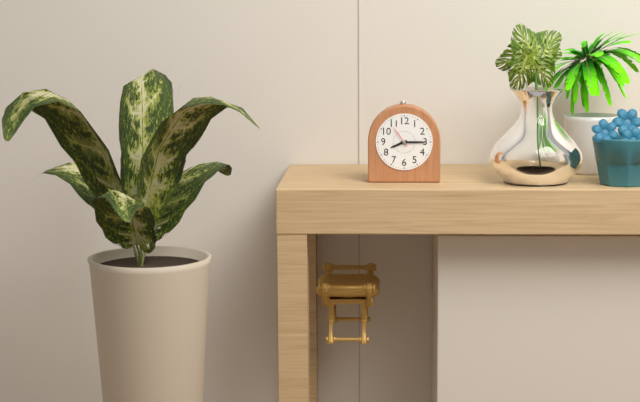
8:15
